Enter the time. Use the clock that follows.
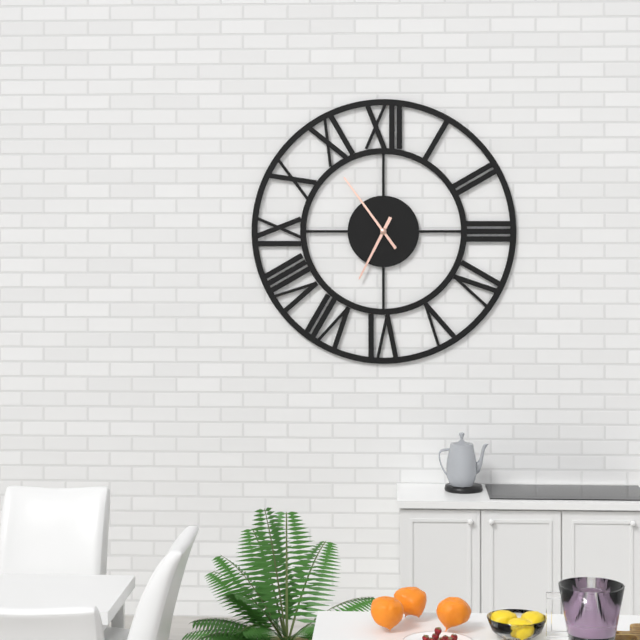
6:54
